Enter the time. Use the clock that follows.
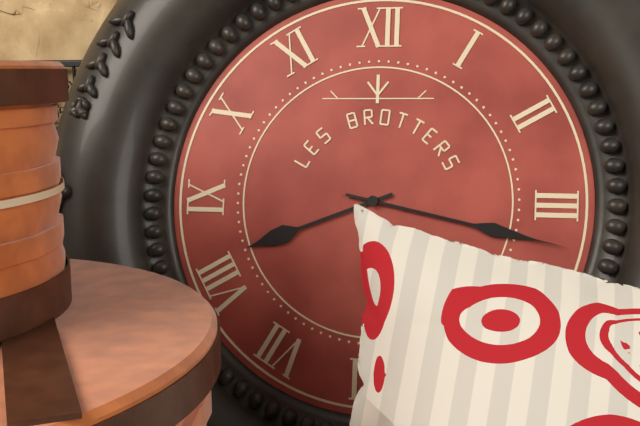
8:17
